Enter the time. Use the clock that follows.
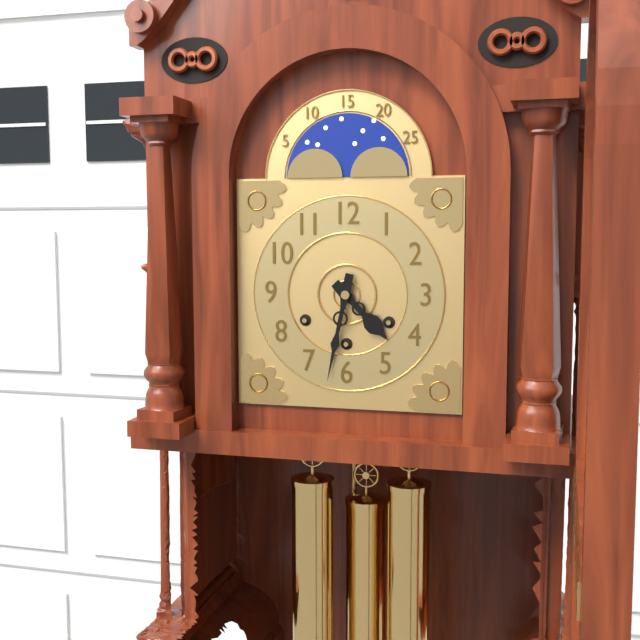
4:32
